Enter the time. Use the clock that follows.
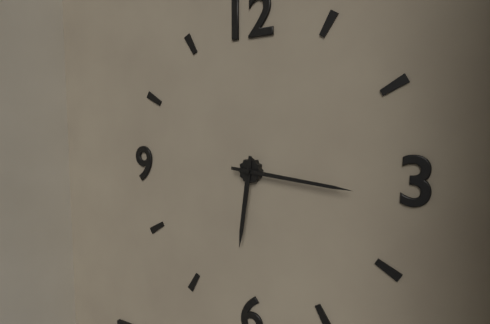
6:16
